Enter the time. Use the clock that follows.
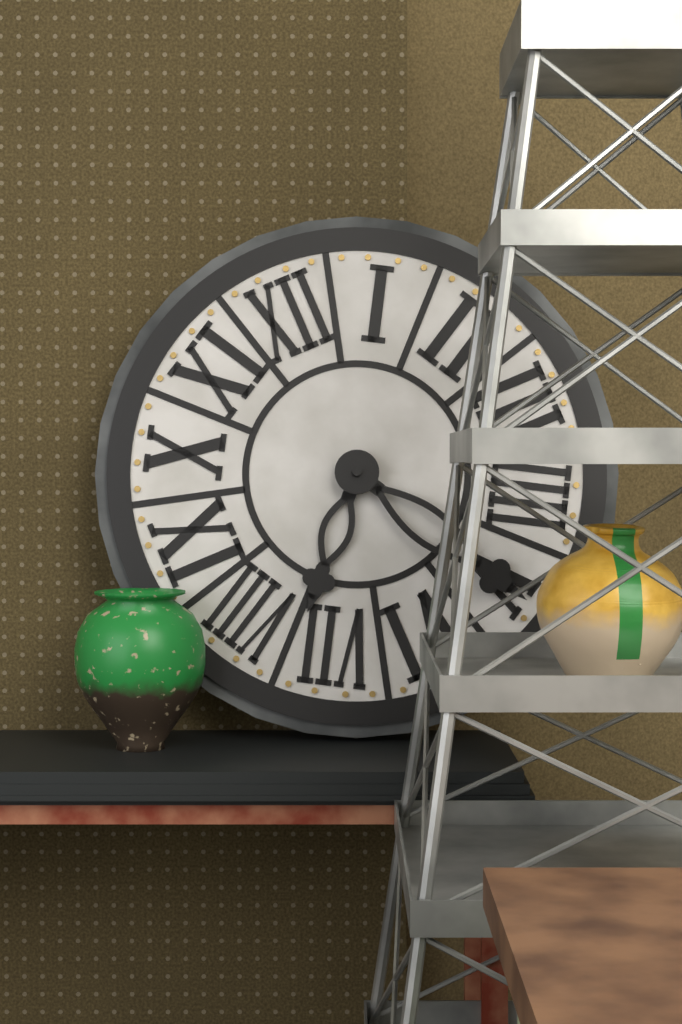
7:25
